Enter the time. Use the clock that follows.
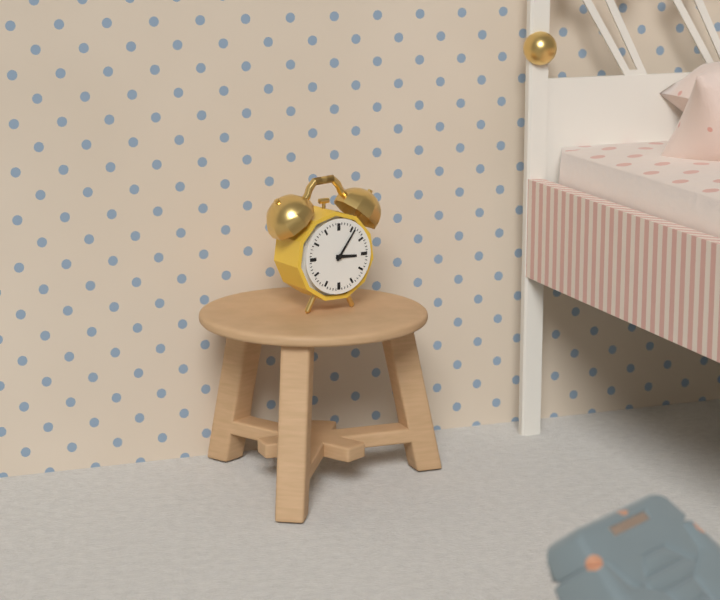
3:06
